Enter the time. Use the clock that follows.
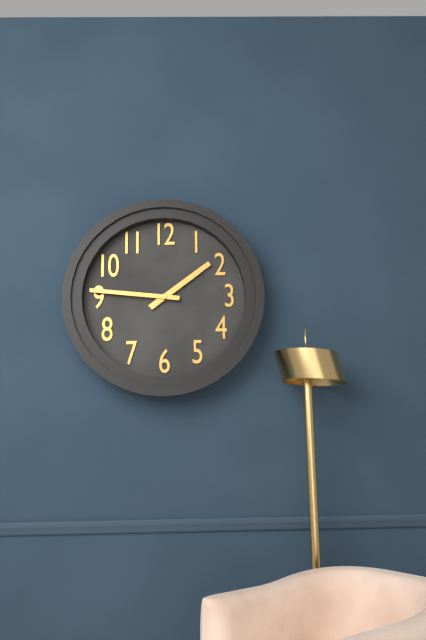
1:46
